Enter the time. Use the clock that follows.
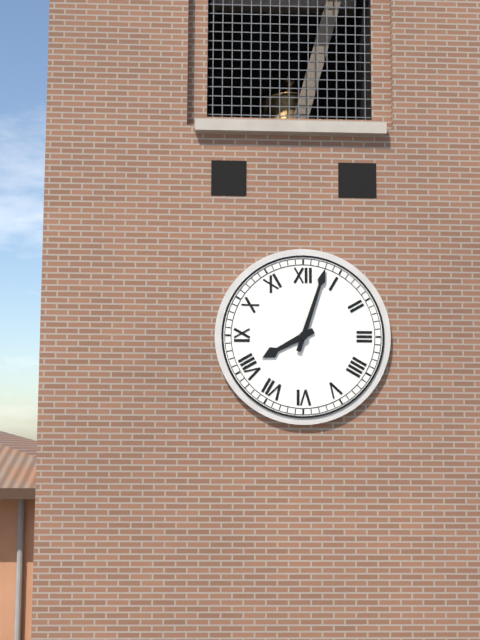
8:03
